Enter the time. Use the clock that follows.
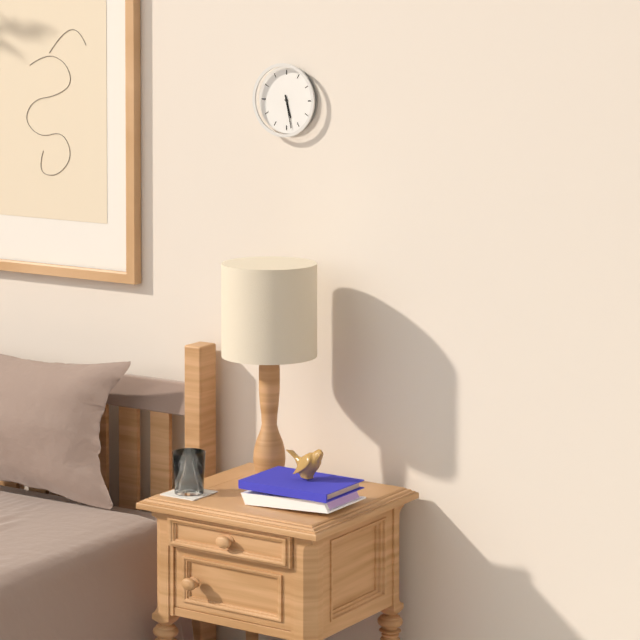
5:28
